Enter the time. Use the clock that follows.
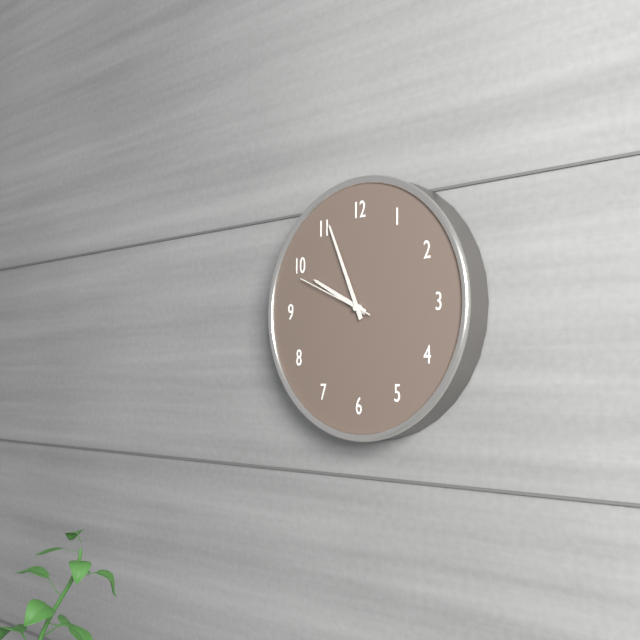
9:56:49
